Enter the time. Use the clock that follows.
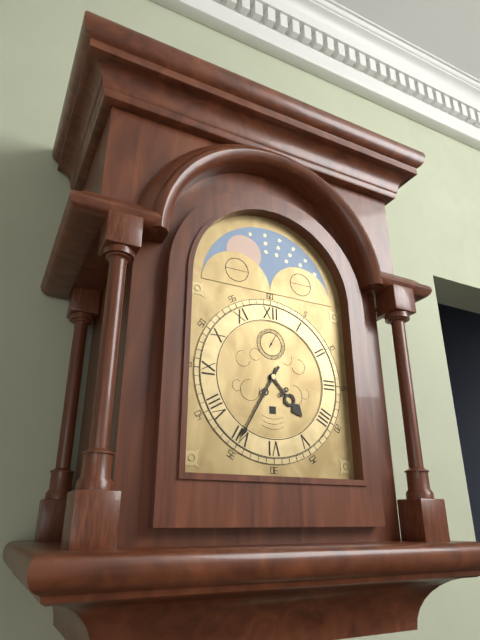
4:35
